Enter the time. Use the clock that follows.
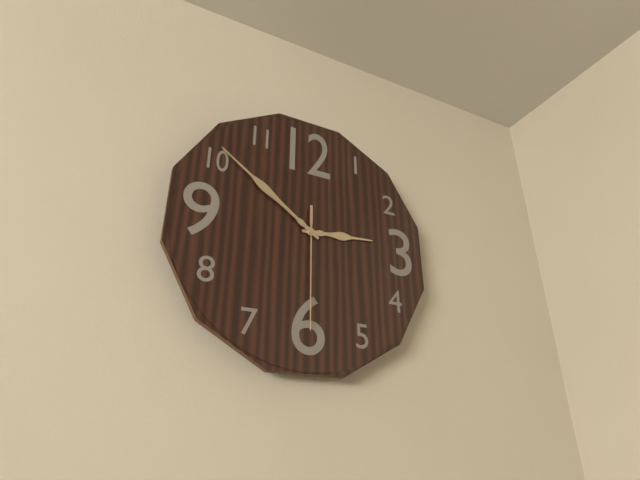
2:51:30
